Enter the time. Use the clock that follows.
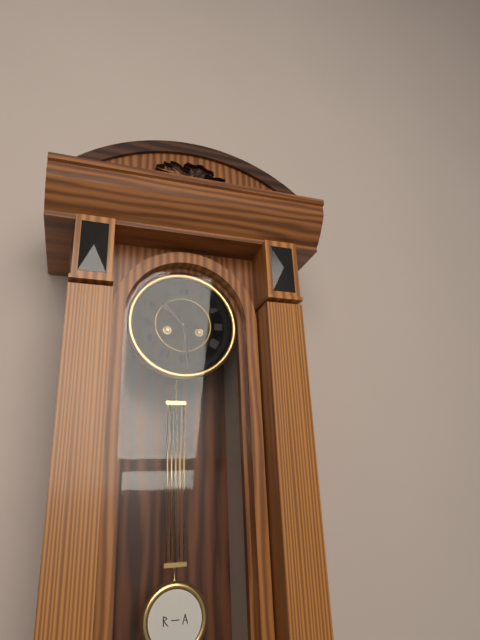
10:29
